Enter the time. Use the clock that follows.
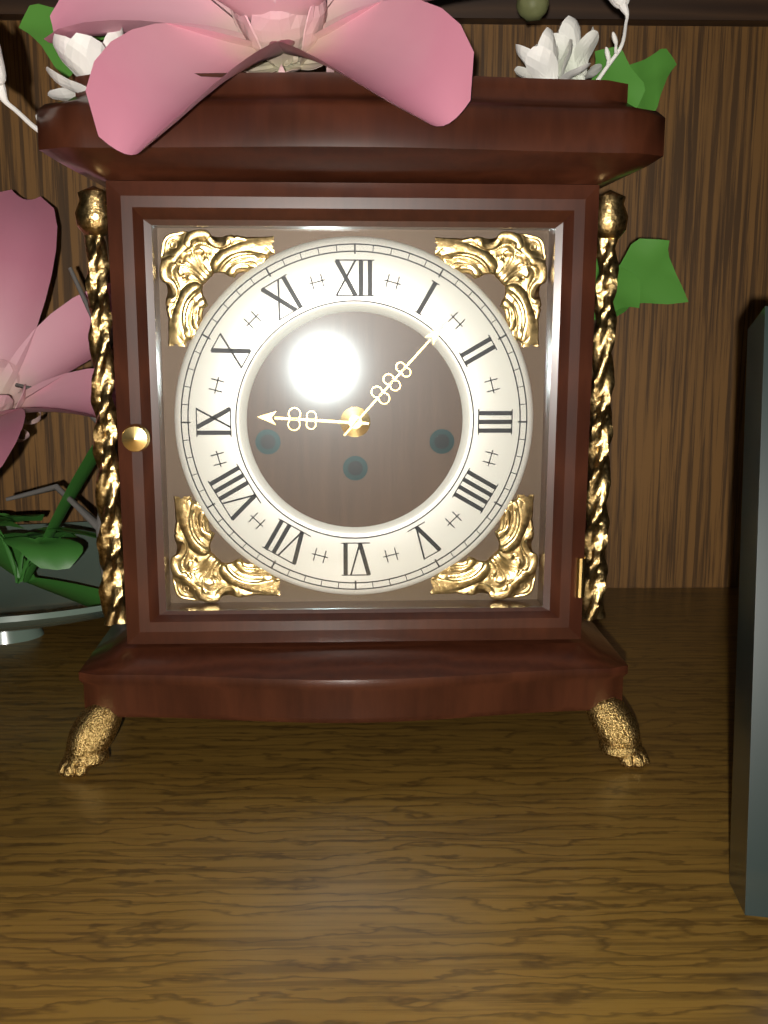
9:07
